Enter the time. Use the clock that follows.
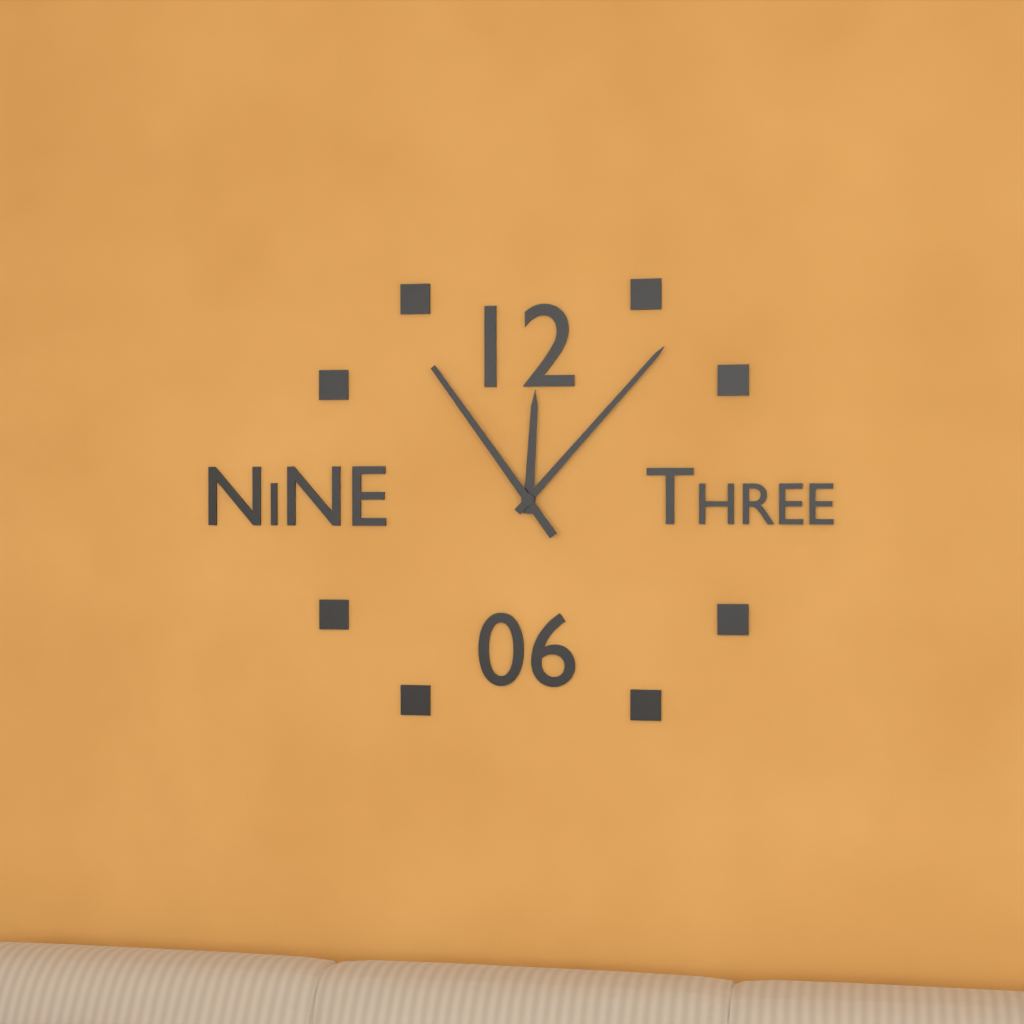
12:07:54
